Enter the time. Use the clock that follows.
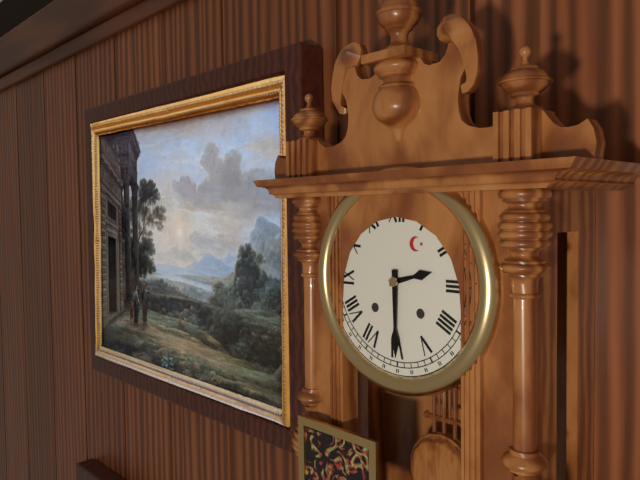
2:30
